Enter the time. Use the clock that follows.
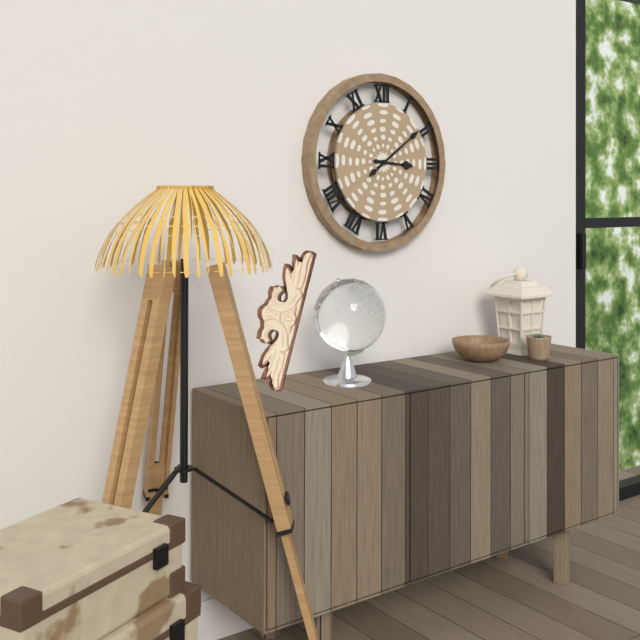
3:09
